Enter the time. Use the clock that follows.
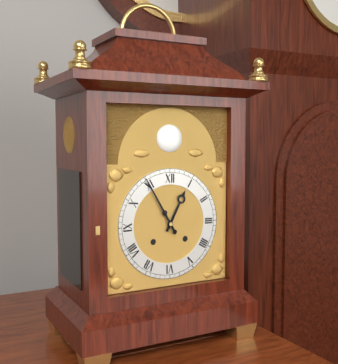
12:55
